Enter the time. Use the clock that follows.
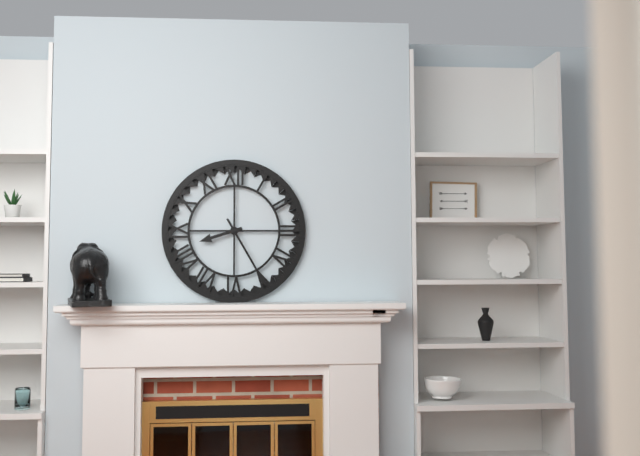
8:25
